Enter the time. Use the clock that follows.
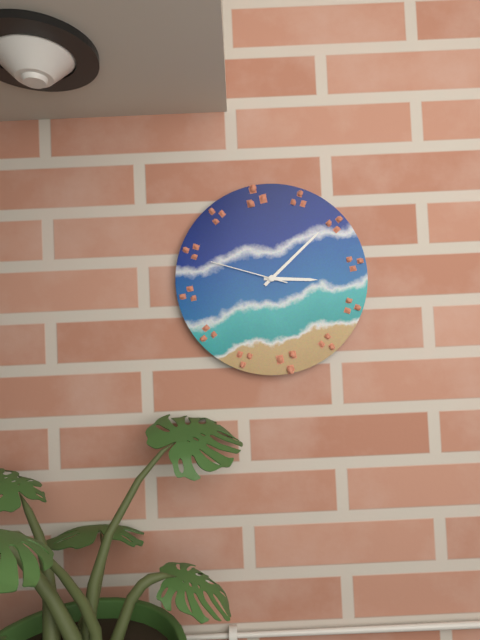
3:08:48
